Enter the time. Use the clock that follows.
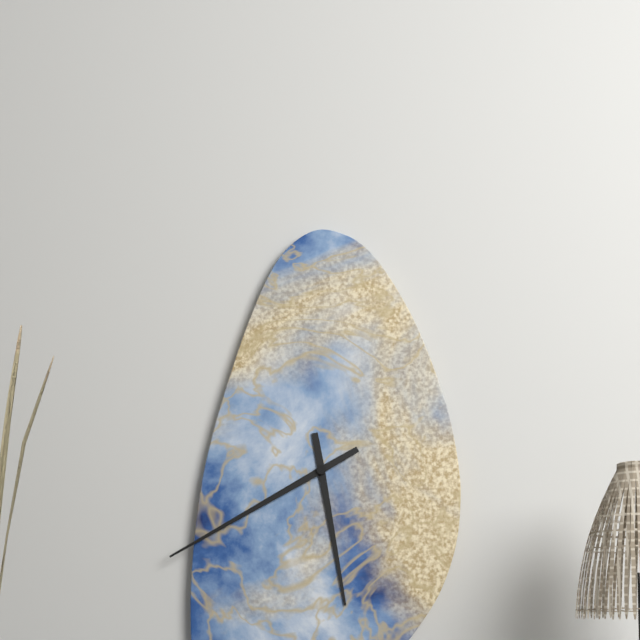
5:40
